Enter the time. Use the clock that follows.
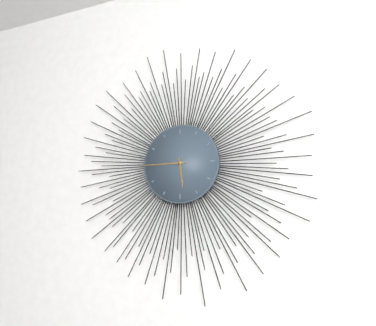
5:45
